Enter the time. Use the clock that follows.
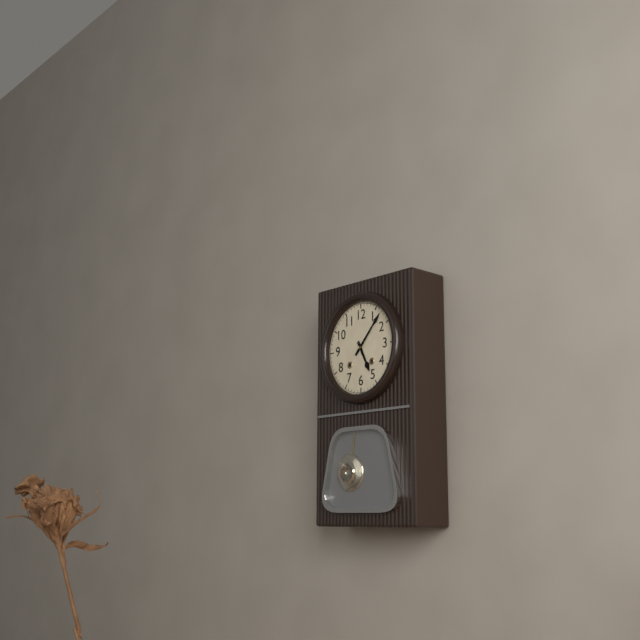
5:07
